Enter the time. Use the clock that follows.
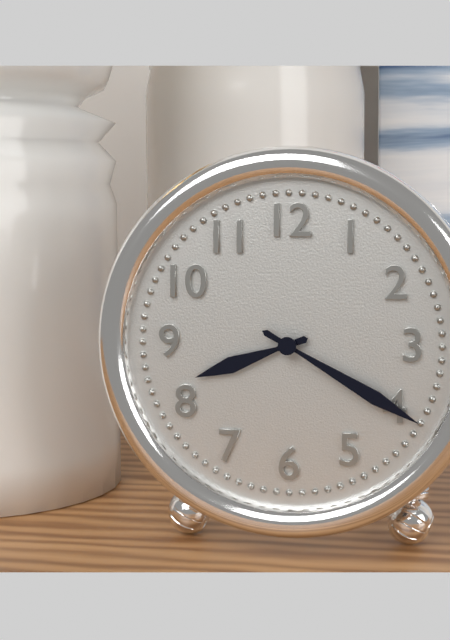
8:20
